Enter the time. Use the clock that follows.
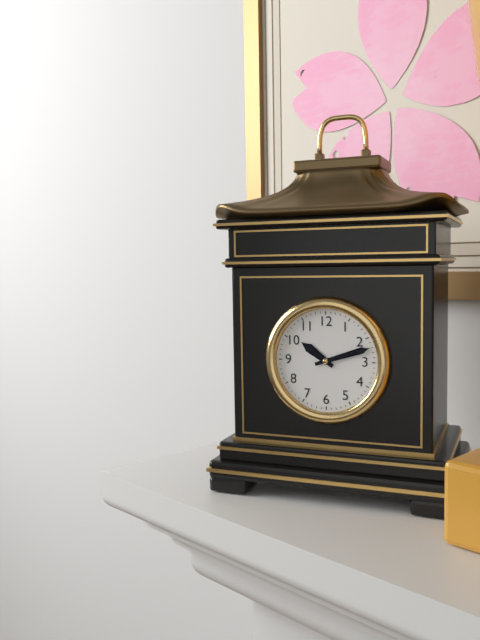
10:12
